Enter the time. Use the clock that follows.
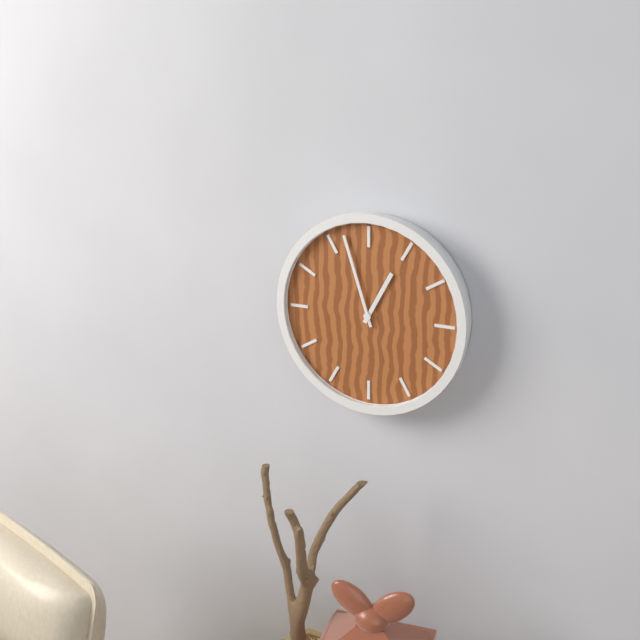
12:57
